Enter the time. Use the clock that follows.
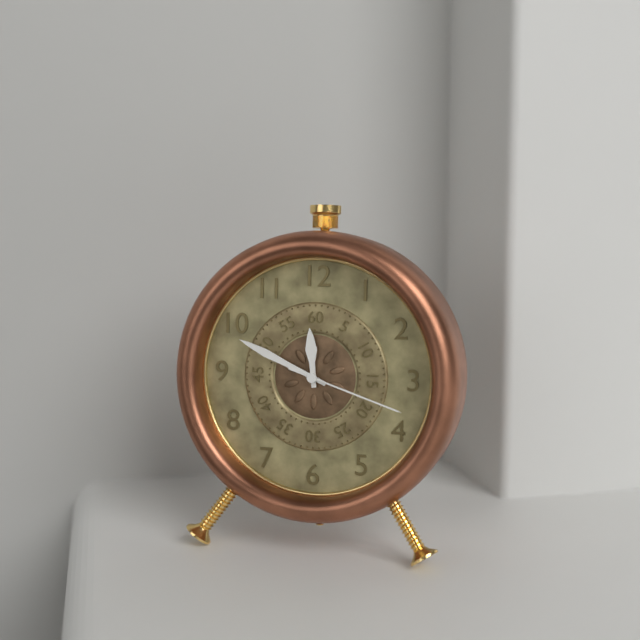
11:49:18
